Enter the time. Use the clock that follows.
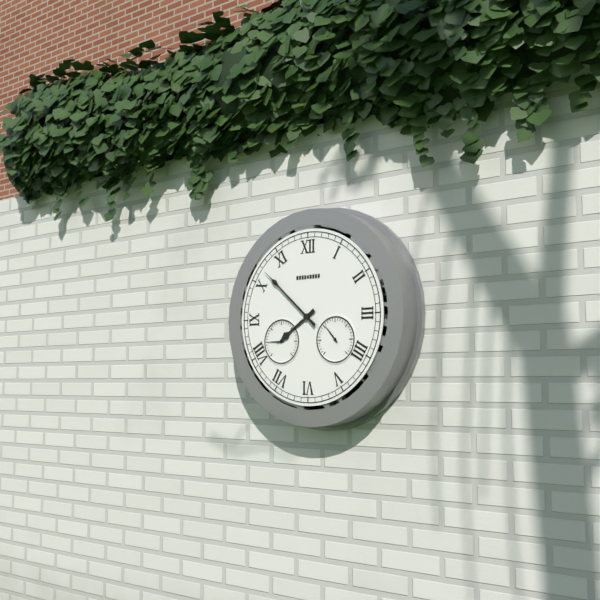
7:52
